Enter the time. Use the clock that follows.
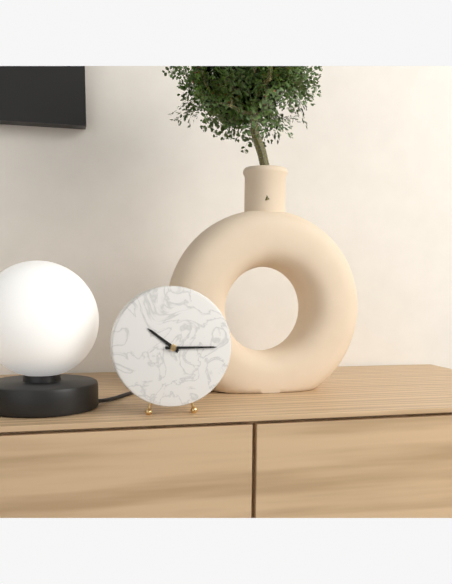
10:15
